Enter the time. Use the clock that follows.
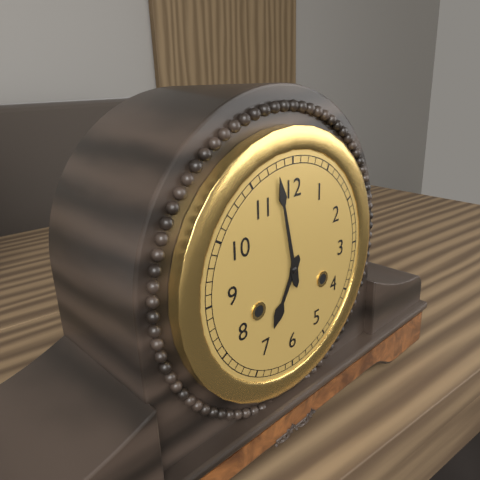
6:58
